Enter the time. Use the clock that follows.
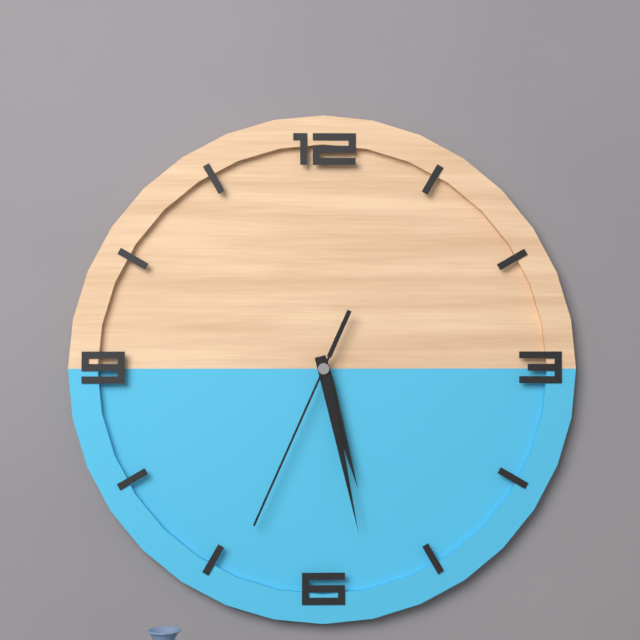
5:28:34
